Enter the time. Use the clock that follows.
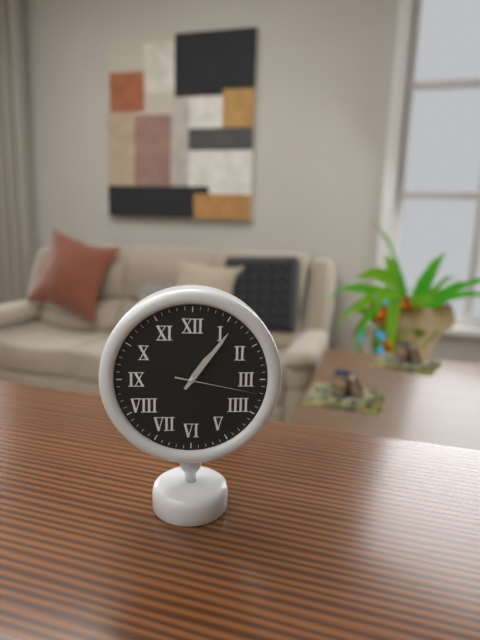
1:06:17
